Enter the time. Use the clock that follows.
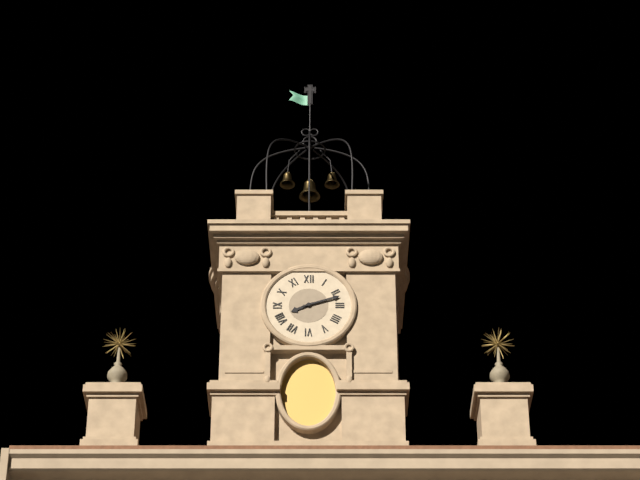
8:12
